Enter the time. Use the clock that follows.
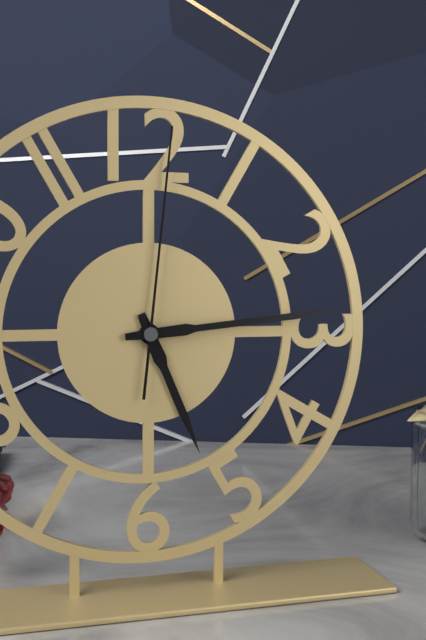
5:14:01
